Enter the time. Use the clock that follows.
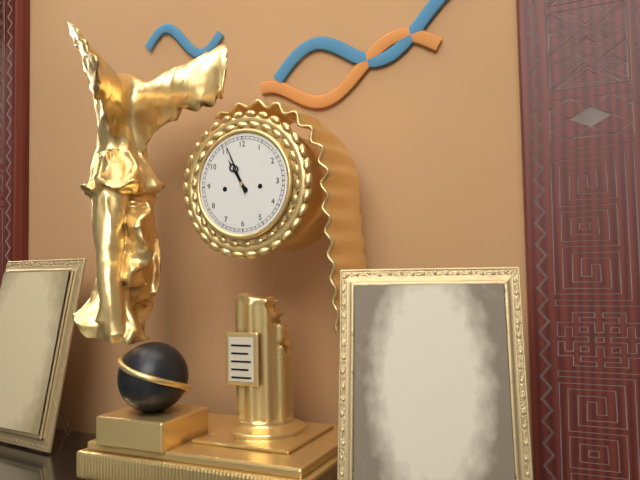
10:56
